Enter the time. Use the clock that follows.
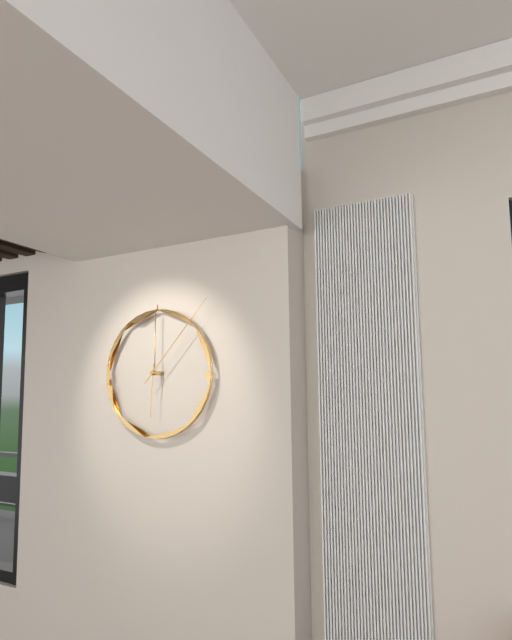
6:07
